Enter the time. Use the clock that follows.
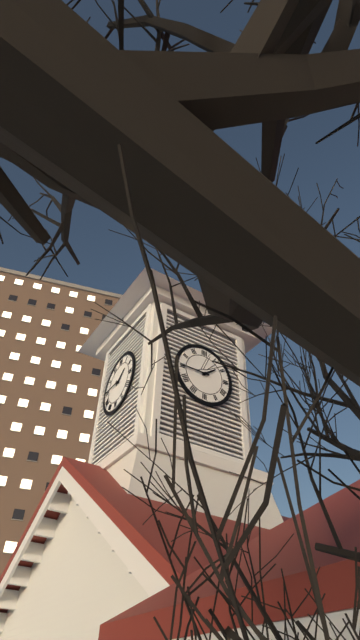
1:45
